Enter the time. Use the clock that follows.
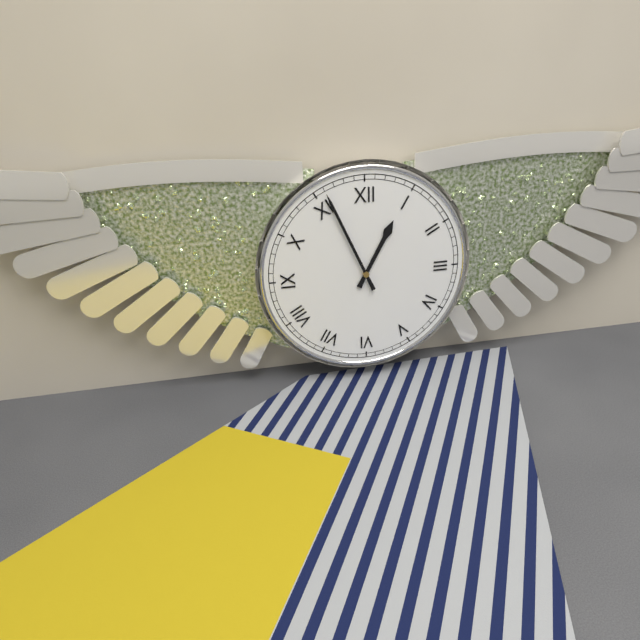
12:56
